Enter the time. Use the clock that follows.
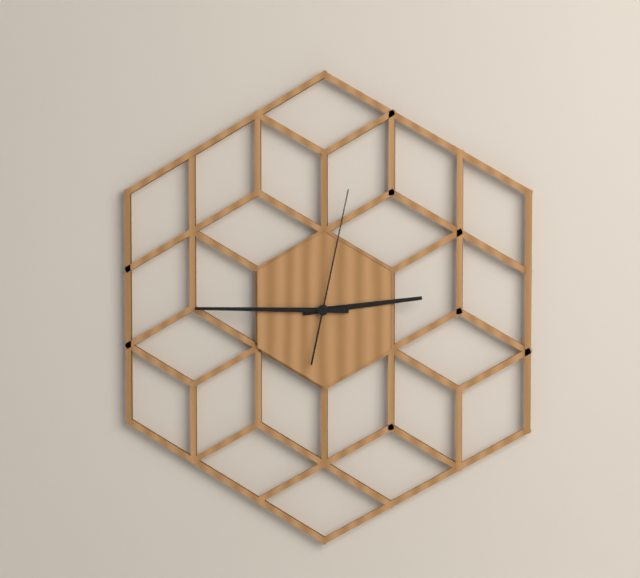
2:45:02
